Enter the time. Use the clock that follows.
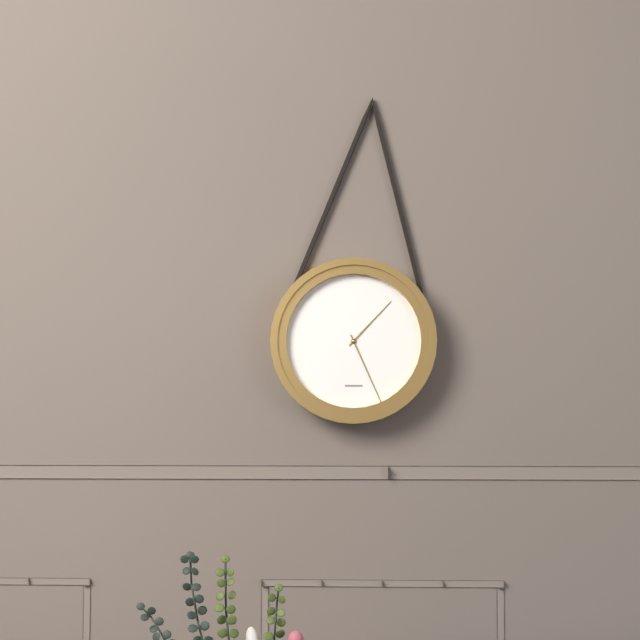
1:26
